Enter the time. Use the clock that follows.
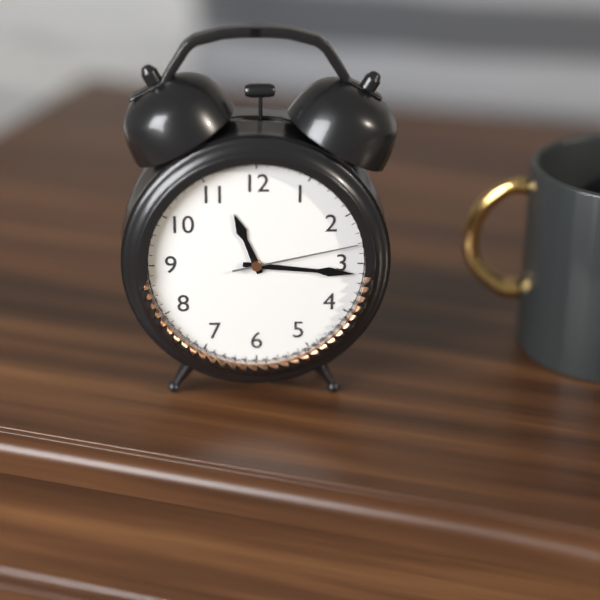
11:16:13
